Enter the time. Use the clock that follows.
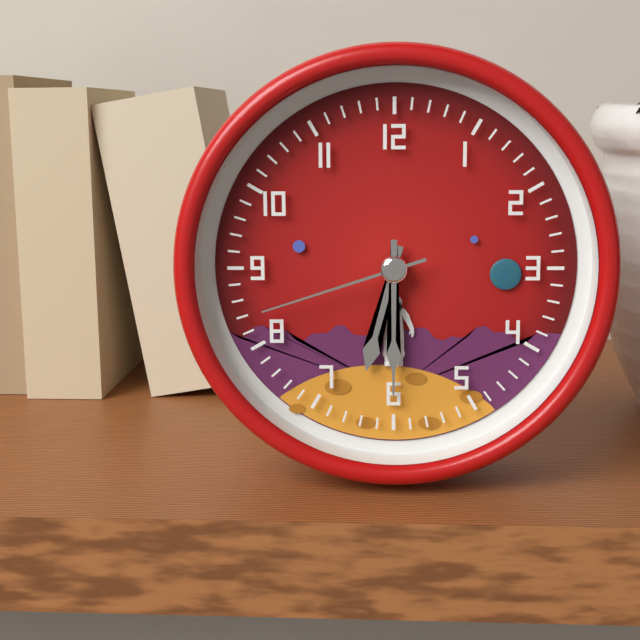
6:30:42
